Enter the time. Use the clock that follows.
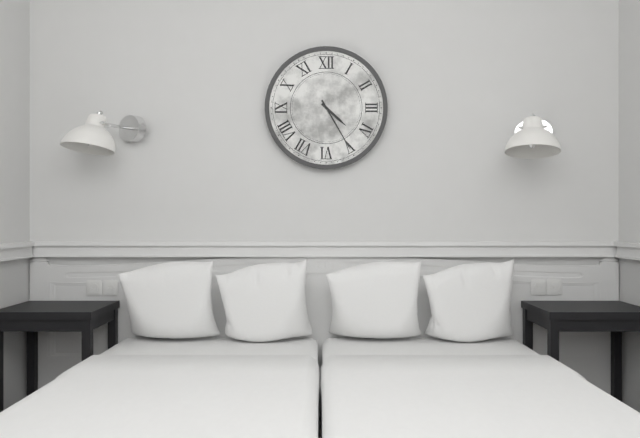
4:25
